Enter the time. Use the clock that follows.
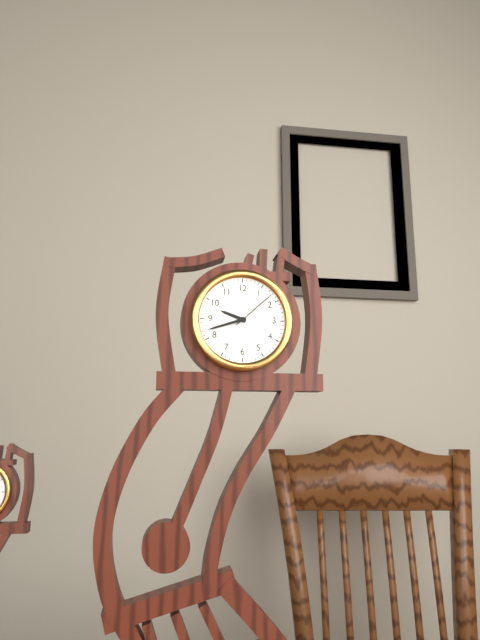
9:42
